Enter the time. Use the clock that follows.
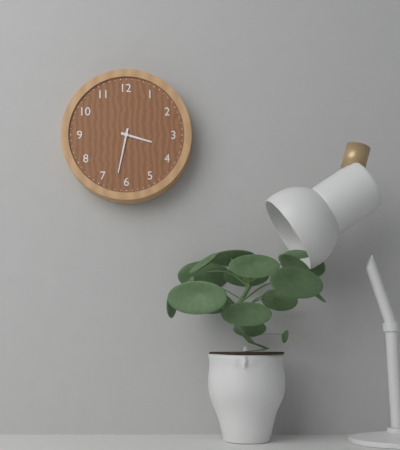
3:32
